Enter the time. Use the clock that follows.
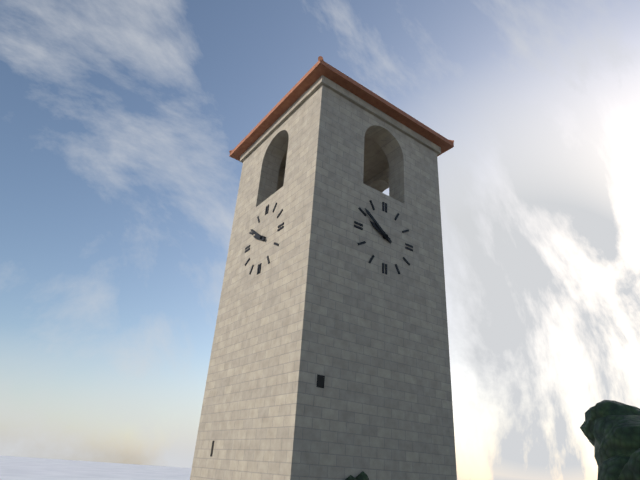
9:51
